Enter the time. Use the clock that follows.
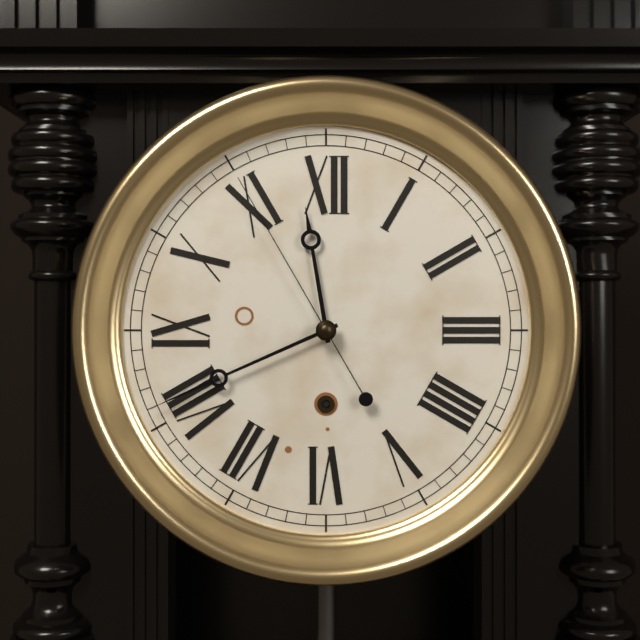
11:41:55
